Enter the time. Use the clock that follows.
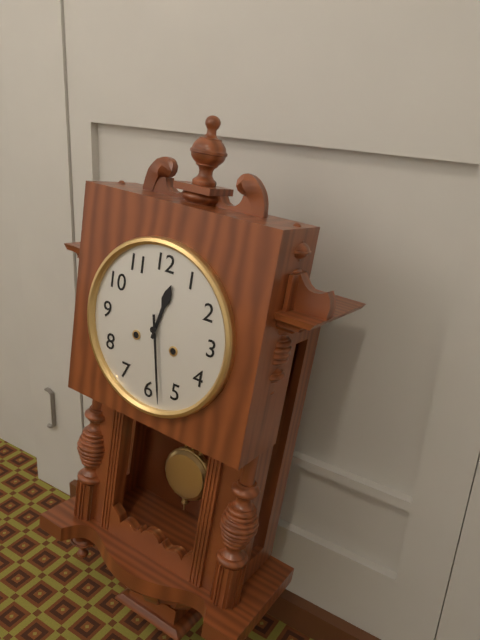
12:28
